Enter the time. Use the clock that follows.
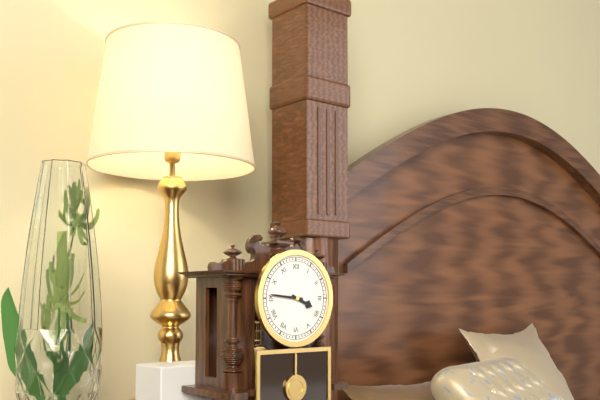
3:46
